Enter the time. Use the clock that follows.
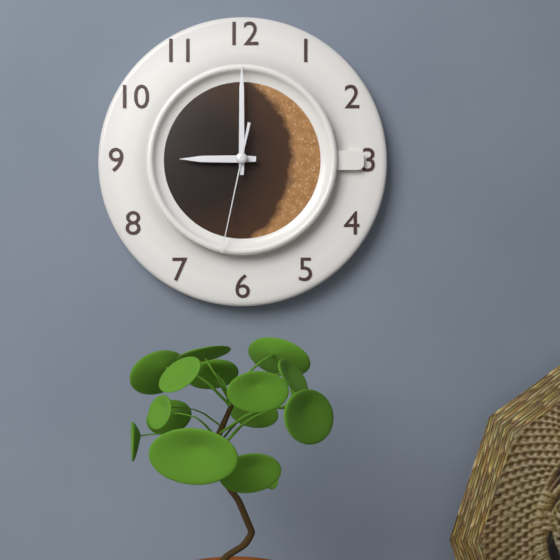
9:00:32
